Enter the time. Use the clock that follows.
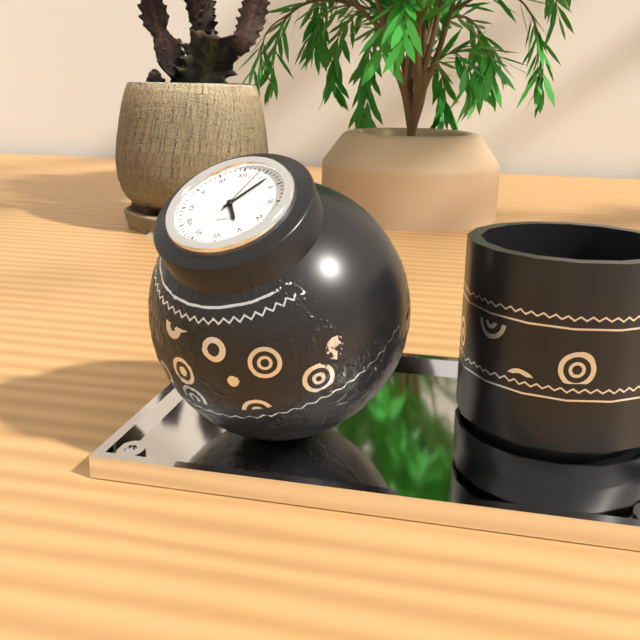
5:07:04
